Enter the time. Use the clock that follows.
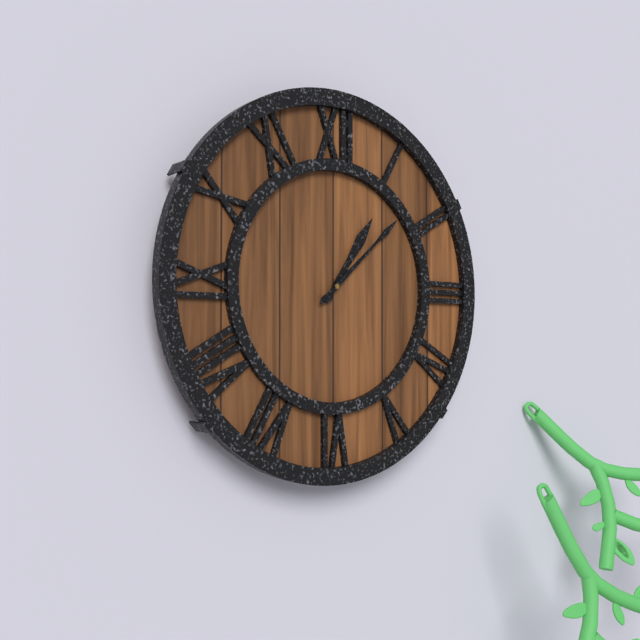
1:08
